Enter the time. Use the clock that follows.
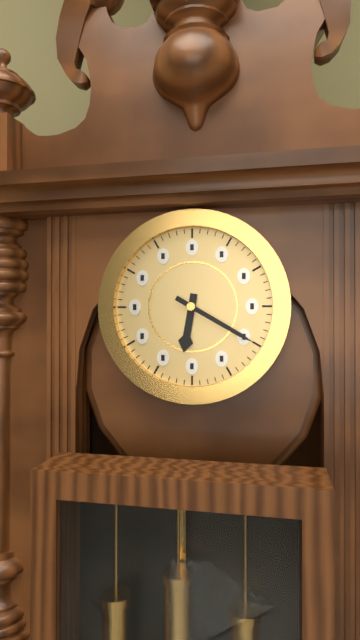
6:20
